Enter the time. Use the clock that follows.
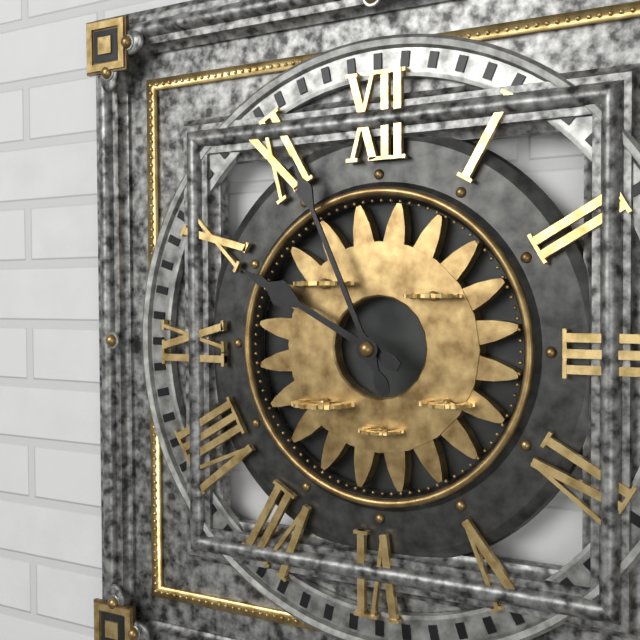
9:56
